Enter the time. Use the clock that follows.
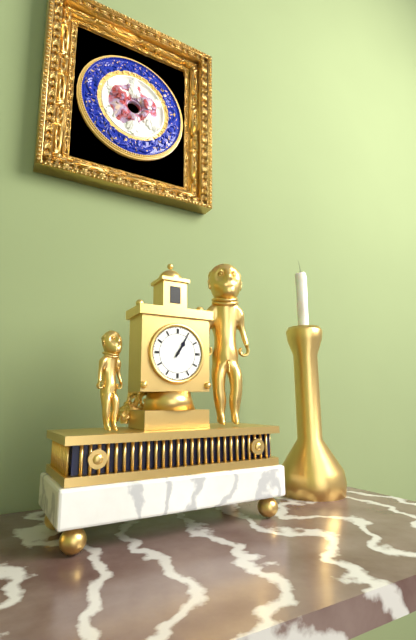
1:05
